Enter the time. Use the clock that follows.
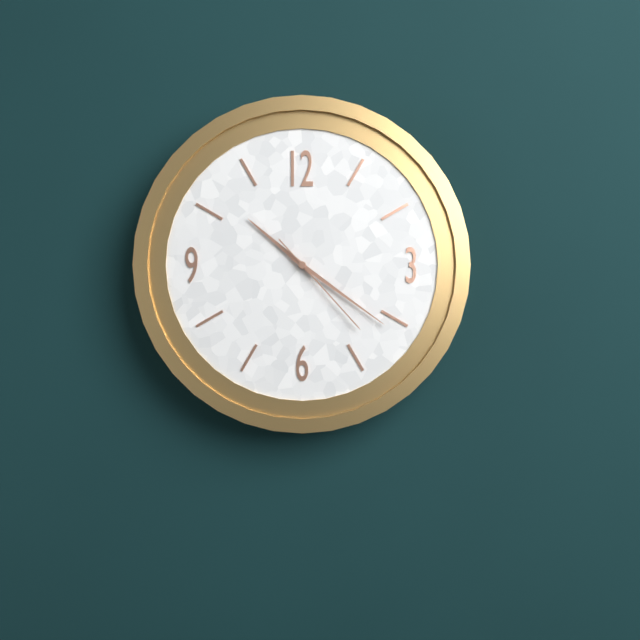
10:21:23
